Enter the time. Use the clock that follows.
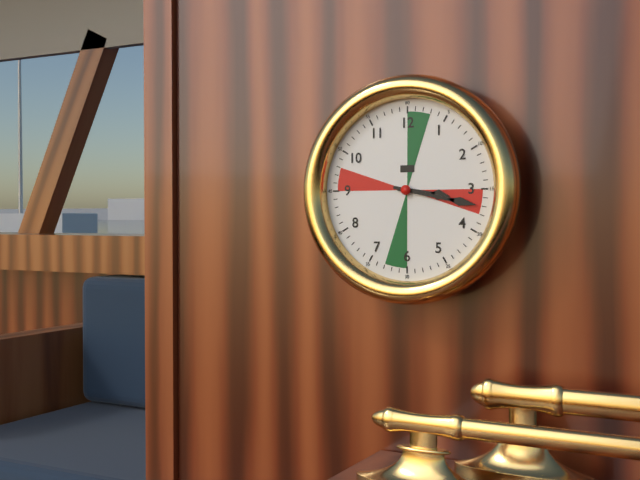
3:17
